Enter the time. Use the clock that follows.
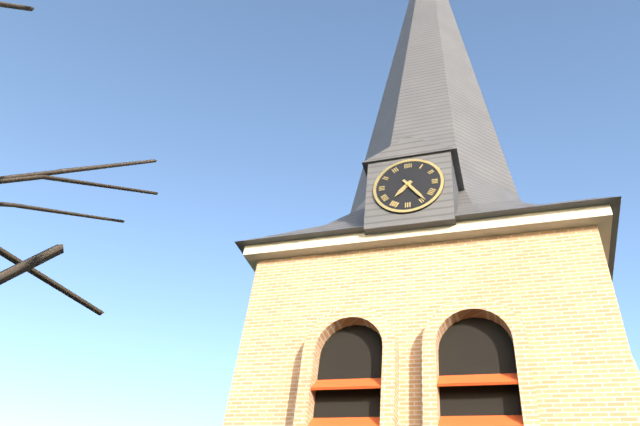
7:24
